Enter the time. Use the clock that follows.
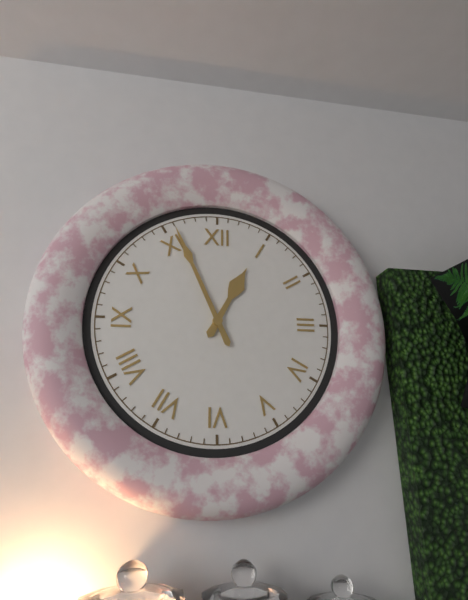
12:56
